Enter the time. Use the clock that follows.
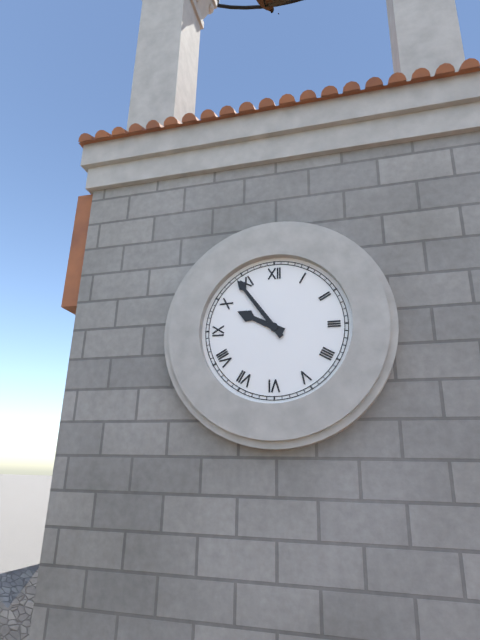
9:54
